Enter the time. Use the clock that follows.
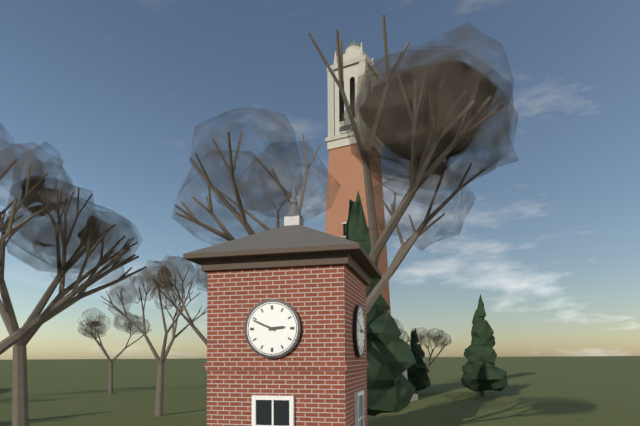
2:49
